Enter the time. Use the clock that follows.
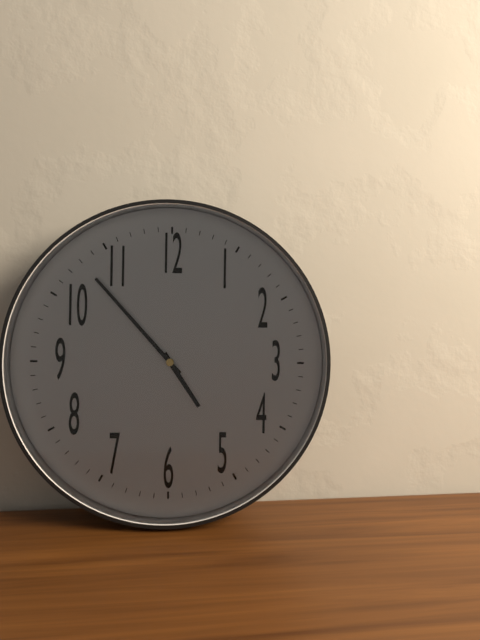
4:53
